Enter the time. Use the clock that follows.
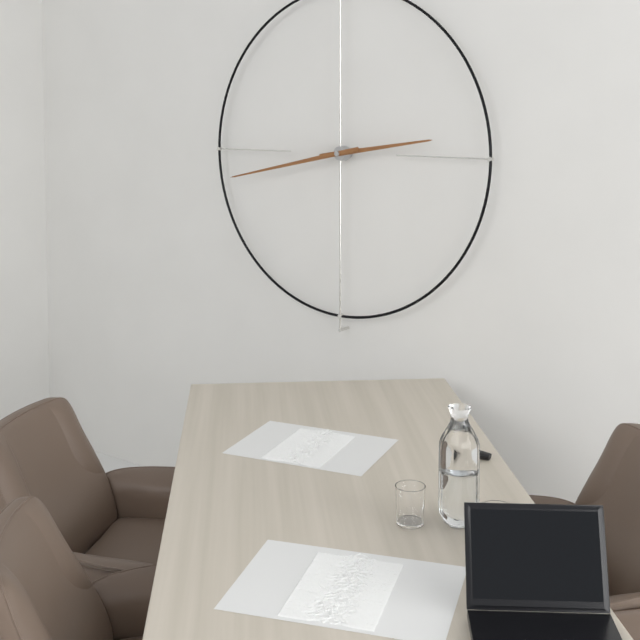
2:43
